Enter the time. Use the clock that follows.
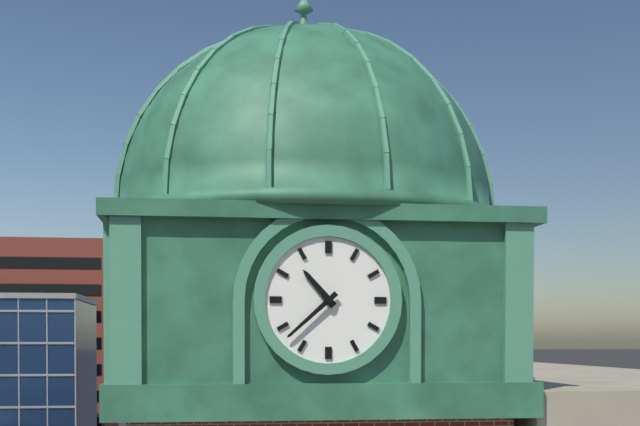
10:38
